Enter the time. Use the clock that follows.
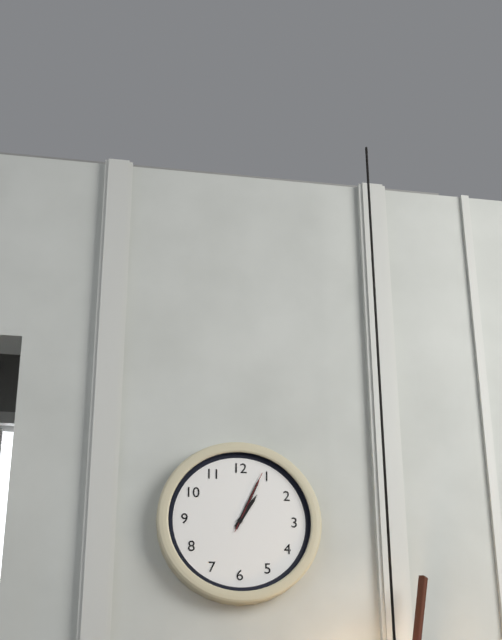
1:04:04
